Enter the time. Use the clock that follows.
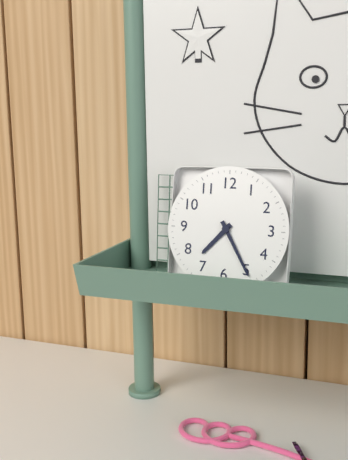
7:25
